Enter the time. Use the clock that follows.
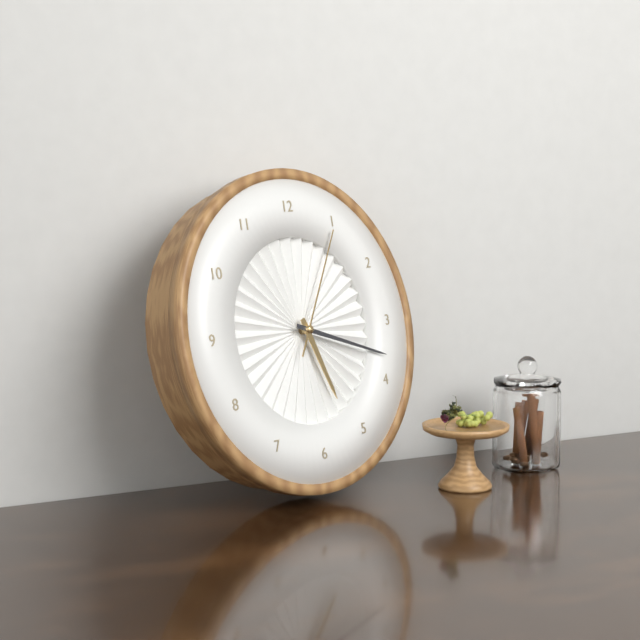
5:18:05
